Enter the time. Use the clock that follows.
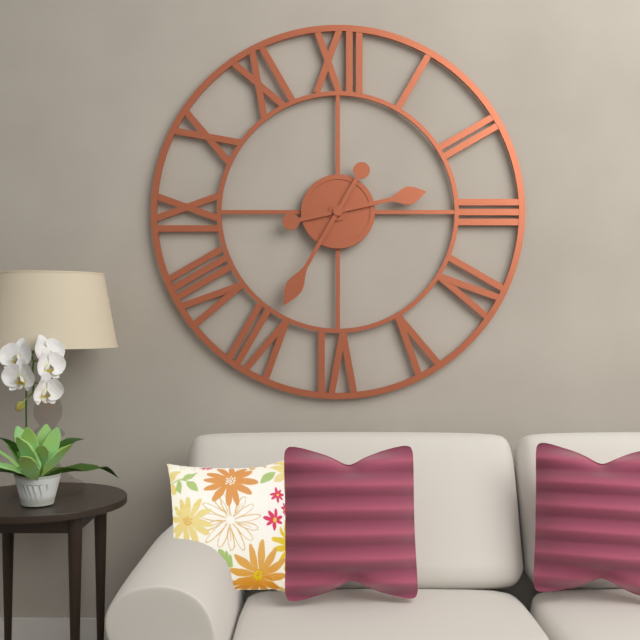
2:35
